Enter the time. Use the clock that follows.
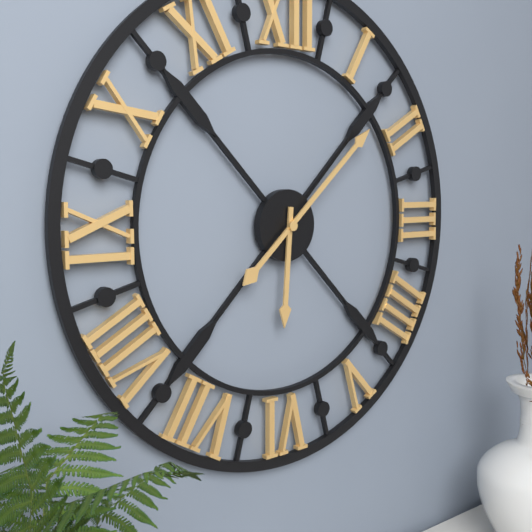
6:08
